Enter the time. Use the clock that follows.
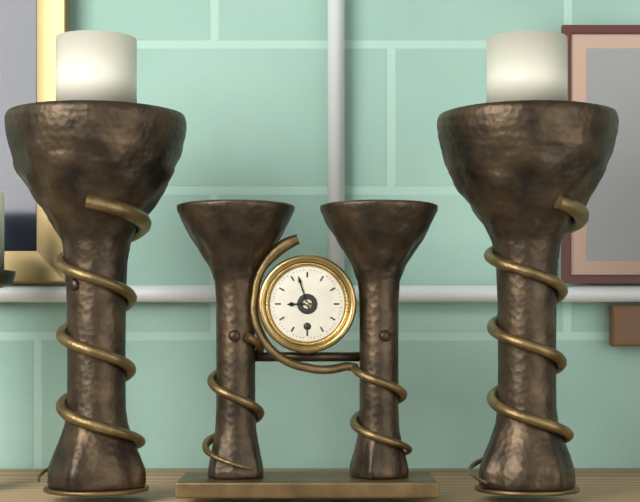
8:57
